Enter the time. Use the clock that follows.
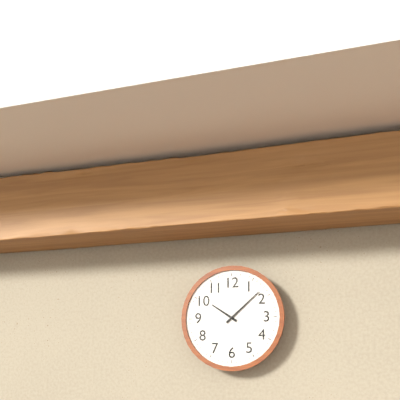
10:08
